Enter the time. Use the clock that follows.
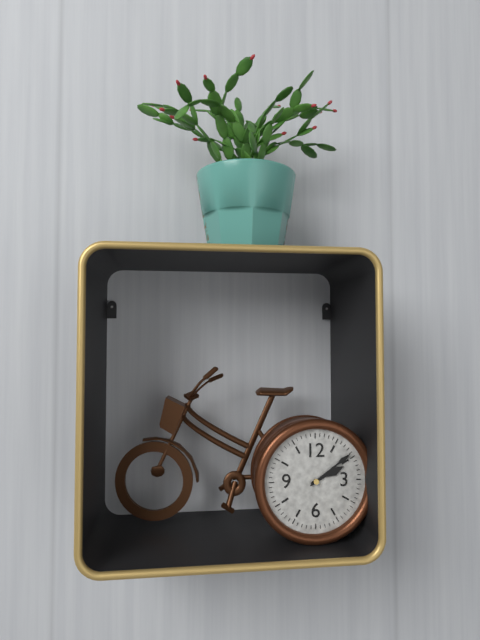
2:09
